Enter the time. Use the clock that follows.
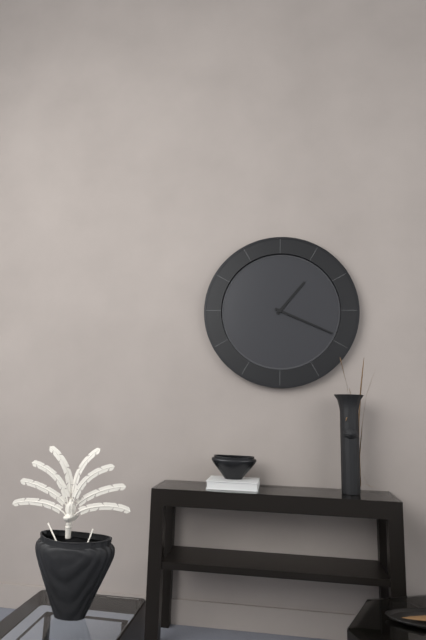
1:19
